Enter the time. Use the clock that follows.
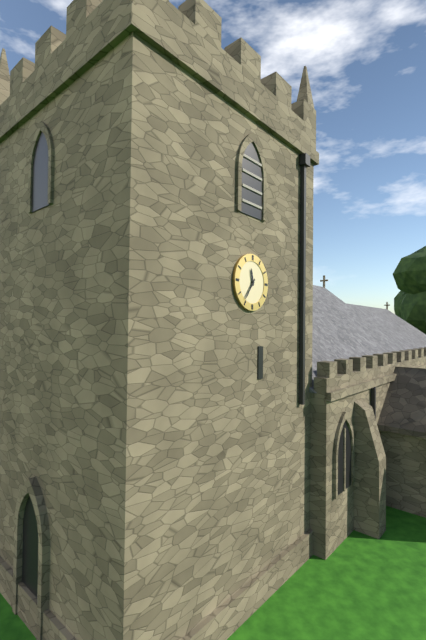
11:36
